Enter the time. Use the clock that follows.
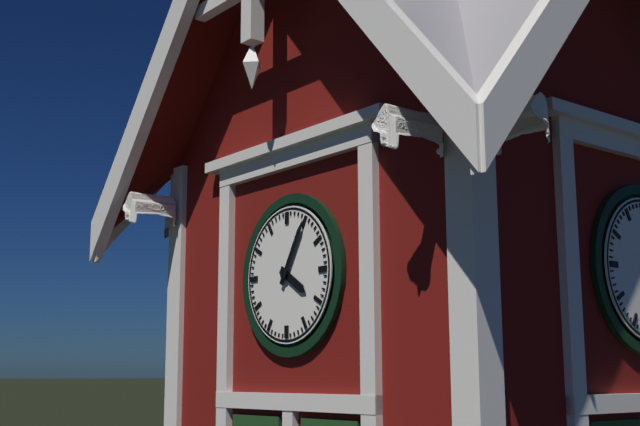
4:05
